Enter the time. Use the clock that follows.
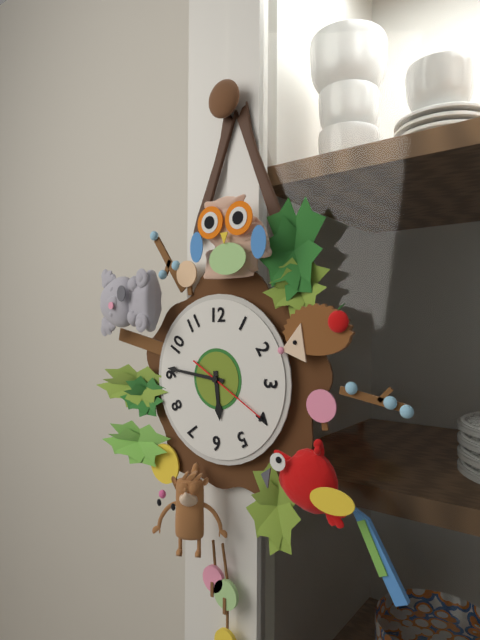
5:46:20
